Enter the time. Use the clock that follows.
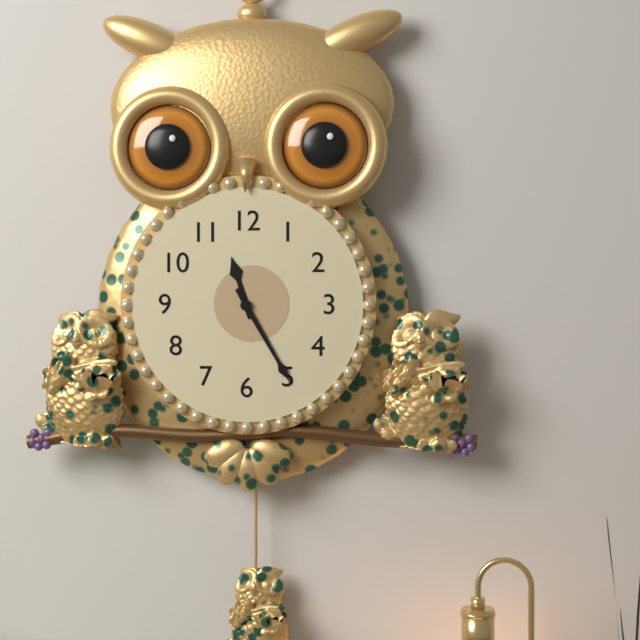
11:25
